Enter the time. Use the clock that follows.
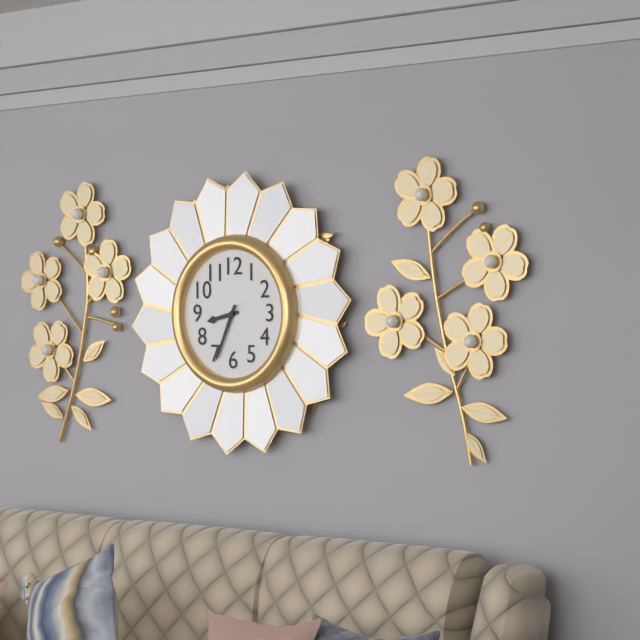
8:34
